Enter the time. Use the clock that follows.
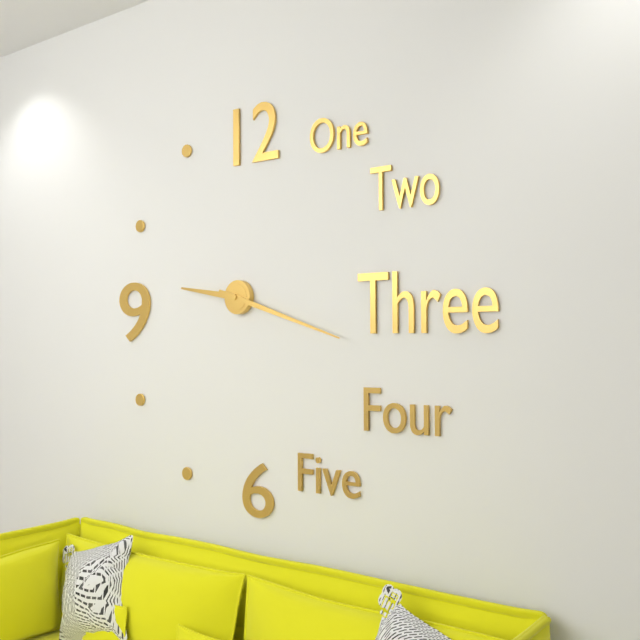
9:18
